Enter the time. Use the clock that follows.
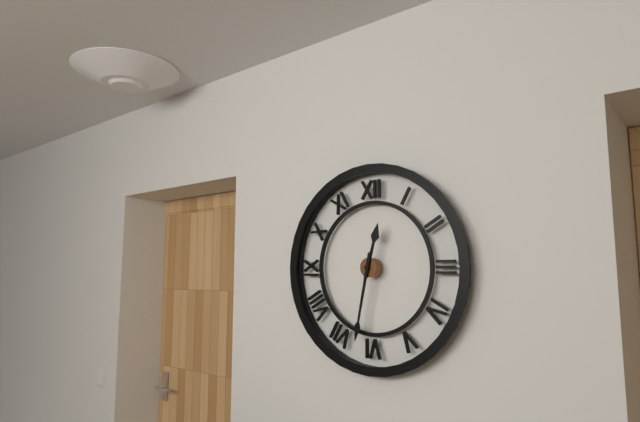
12:32
